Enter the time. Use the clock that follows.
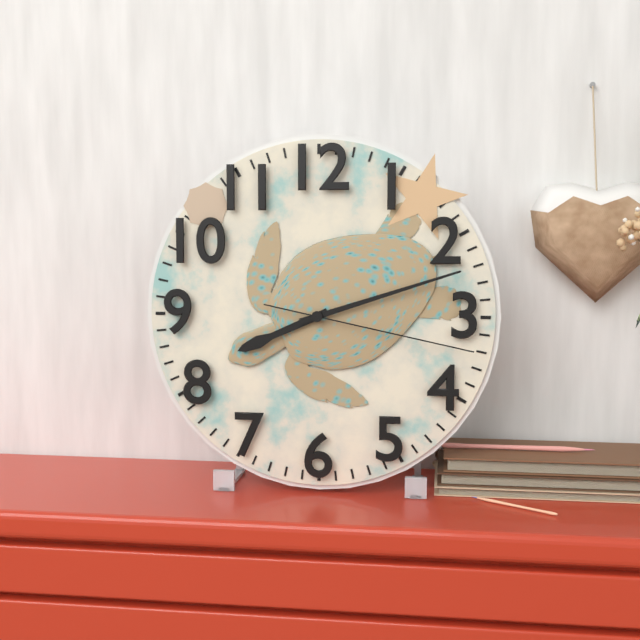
8:12:17
